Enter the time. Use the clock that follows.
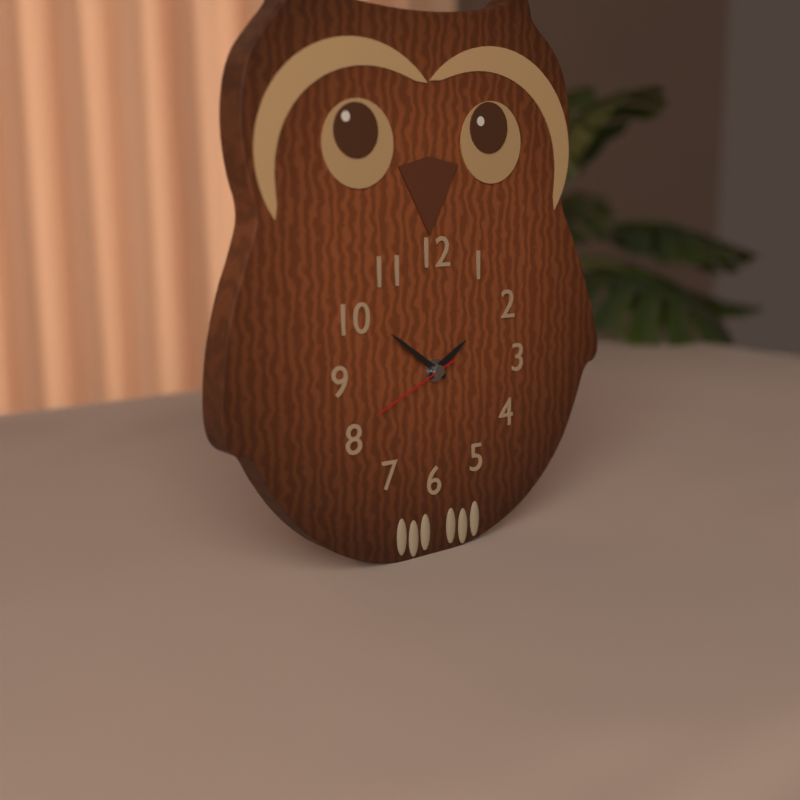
1:51:41
